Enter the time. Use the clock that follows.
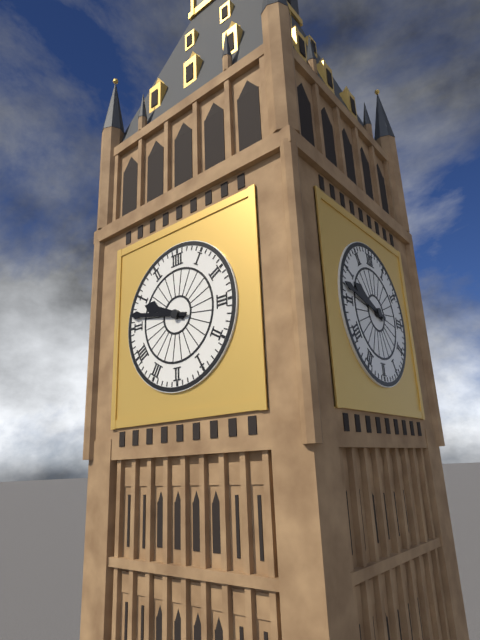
9:47
